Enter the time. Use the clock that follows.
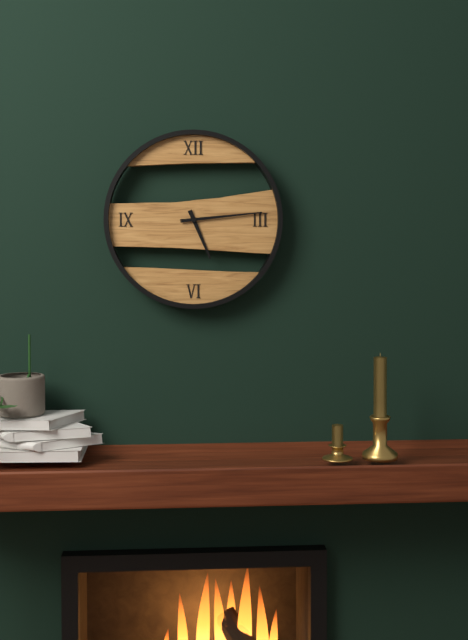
5:14
